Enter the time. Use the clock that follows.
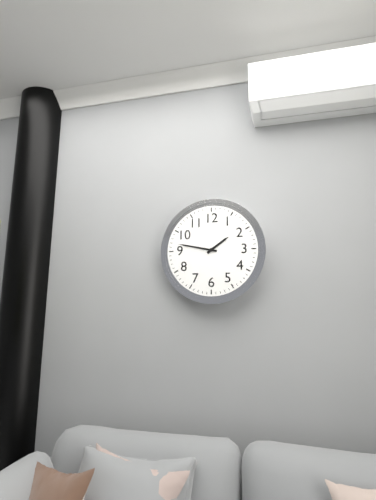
1:47
